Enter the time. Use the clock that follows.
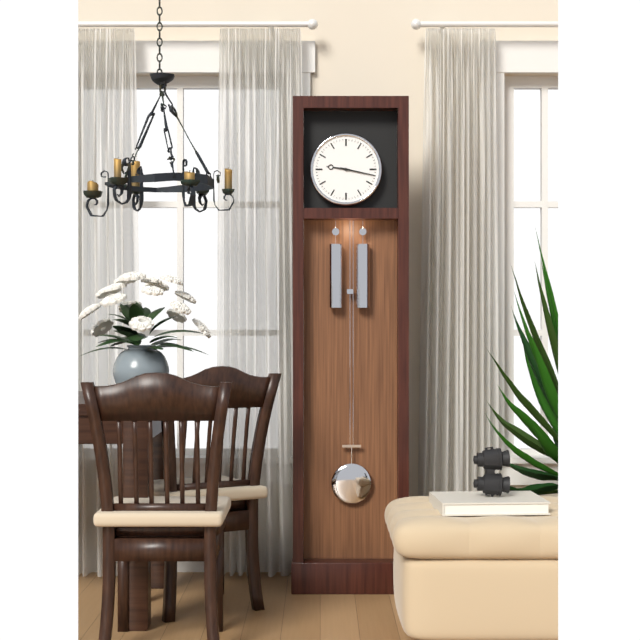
9:17
